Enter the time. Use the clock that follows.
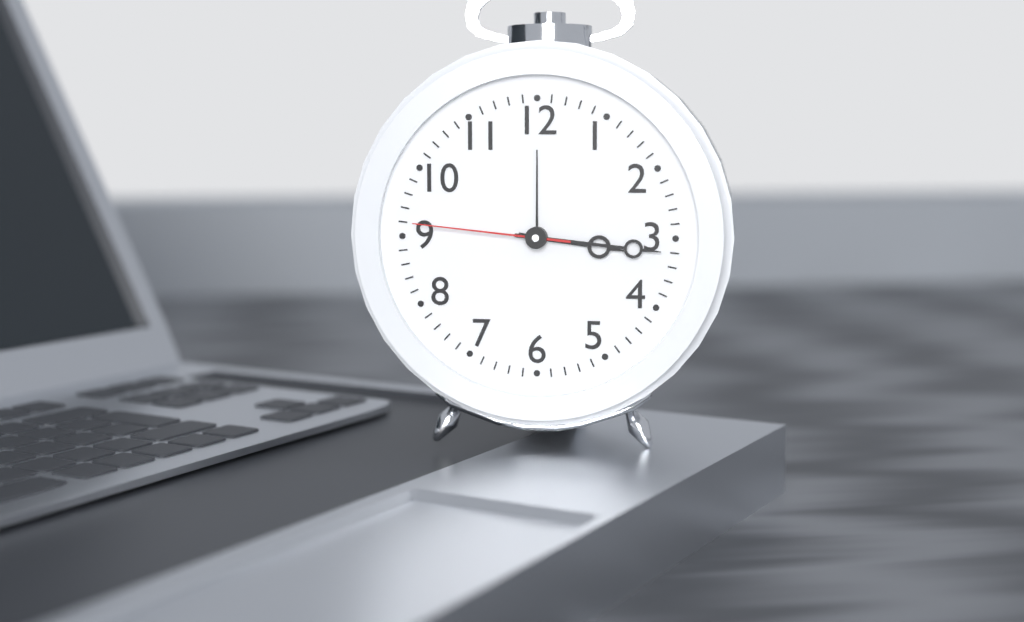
3:16:46
